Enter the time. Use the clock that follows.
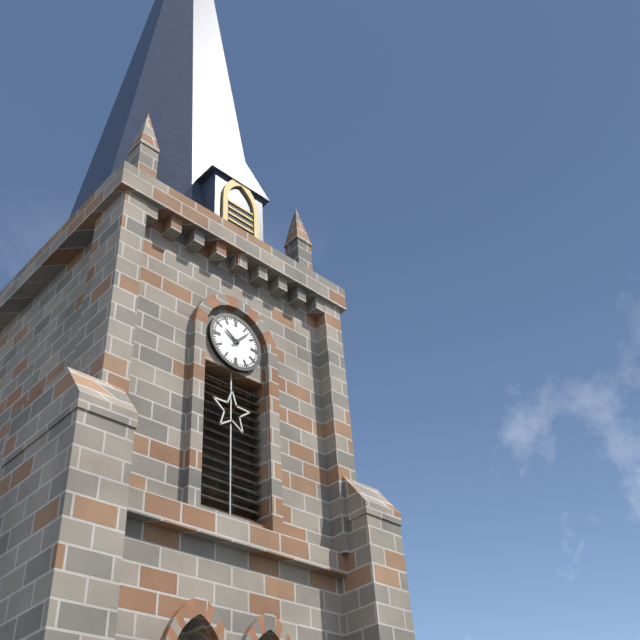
10:07
